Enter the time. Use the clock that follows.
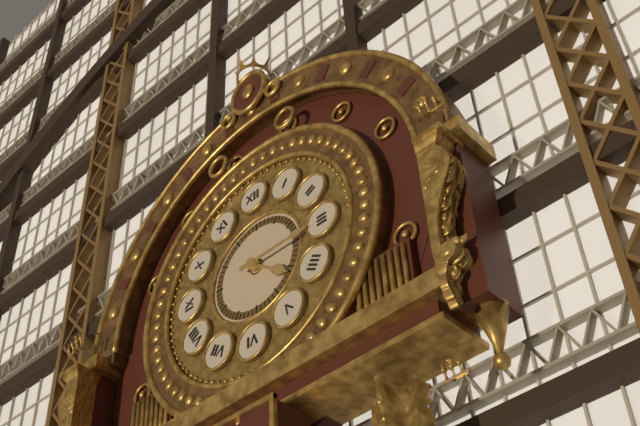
4:15
